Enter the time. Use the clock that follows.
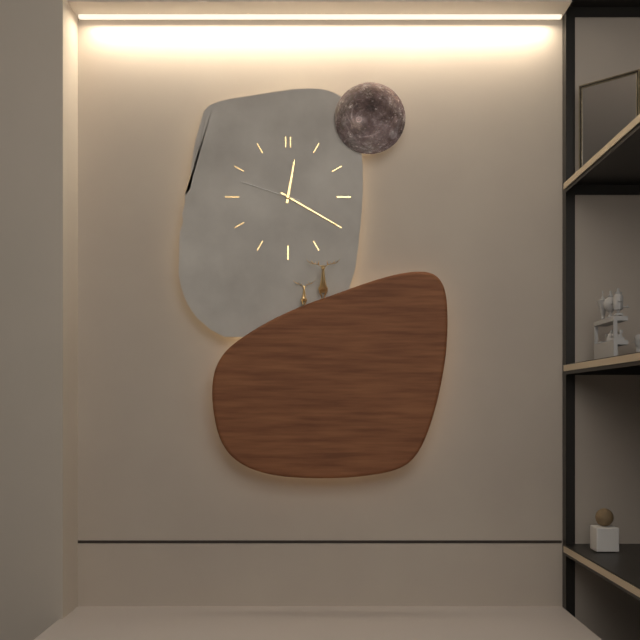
12:20:48
